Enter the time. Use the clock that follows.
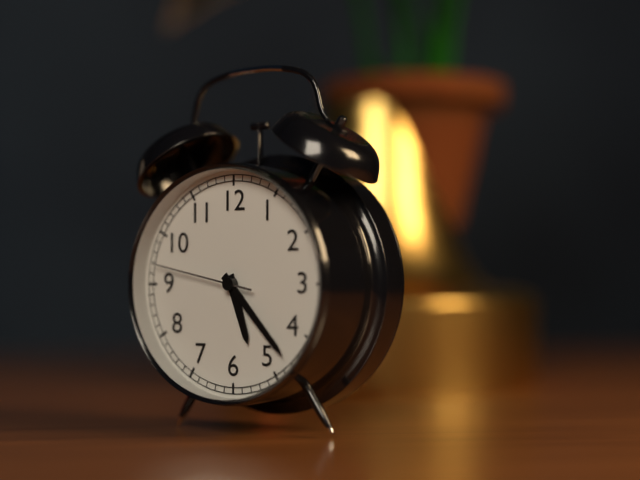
5:23:47
